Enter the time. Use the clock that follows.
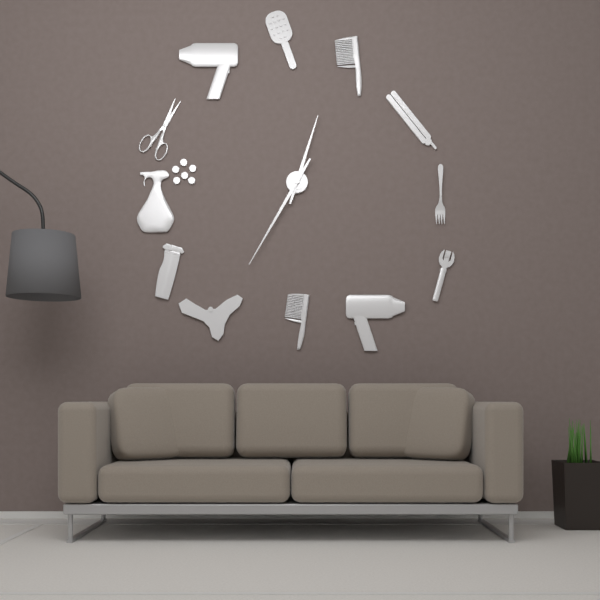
12:35
